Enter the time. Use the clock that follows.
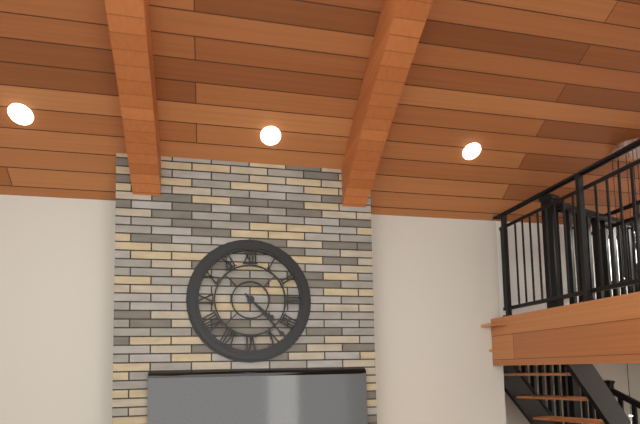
4:23
